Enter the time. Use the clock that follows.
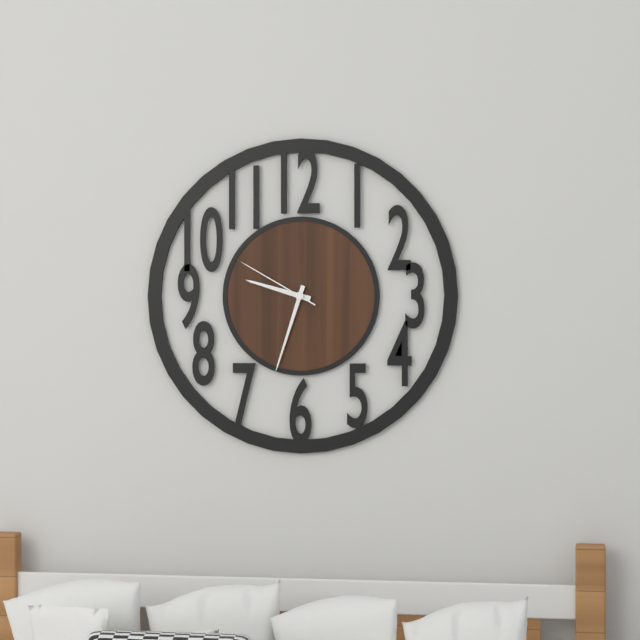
9:33:50
